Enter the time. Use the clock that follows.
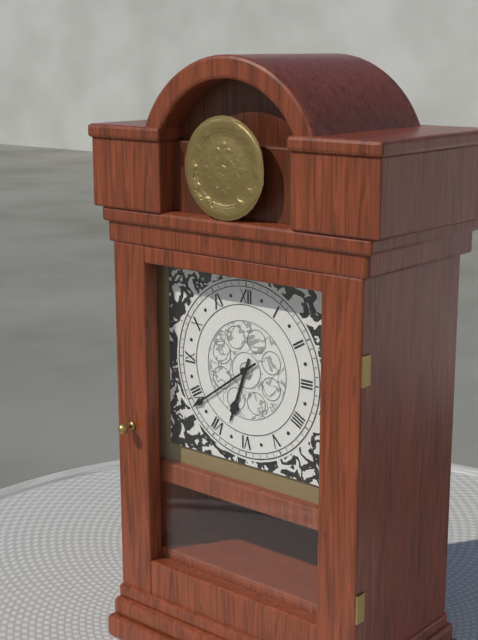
6:39
